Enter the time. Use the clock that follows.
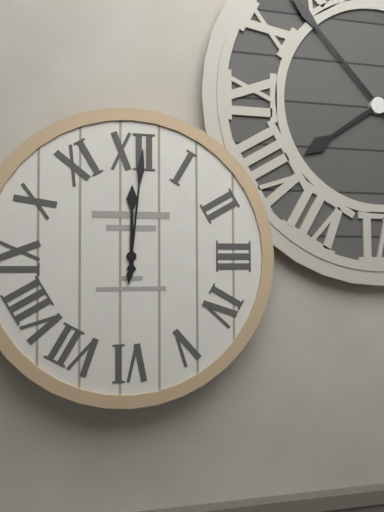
12:01
